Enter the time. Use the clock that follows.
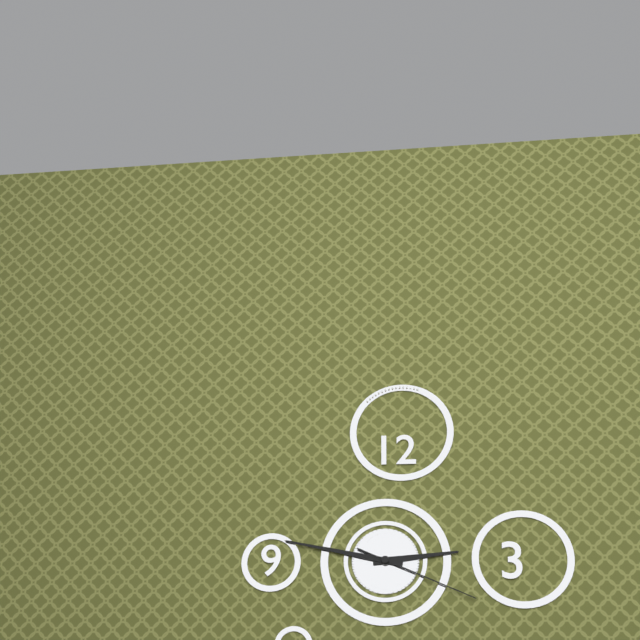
2:47:19
